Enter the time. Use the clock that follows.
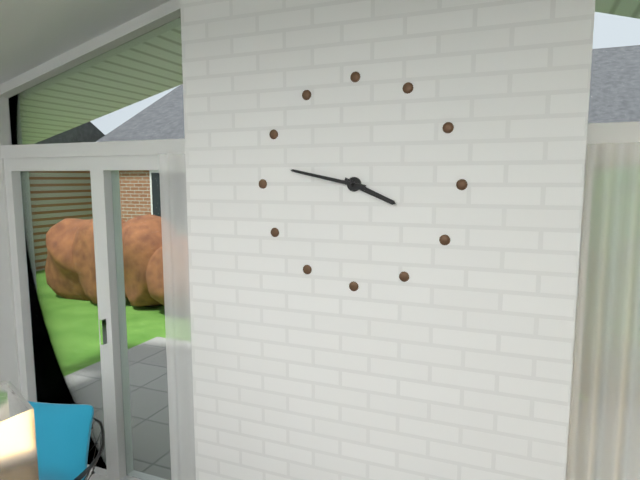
3:47
